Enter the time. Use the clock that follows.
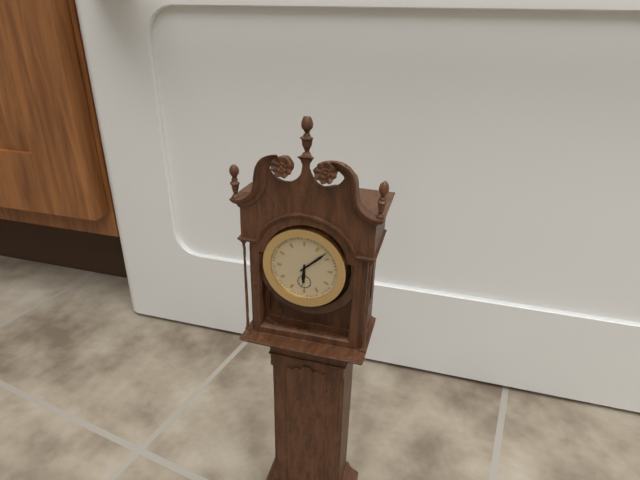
6:08
